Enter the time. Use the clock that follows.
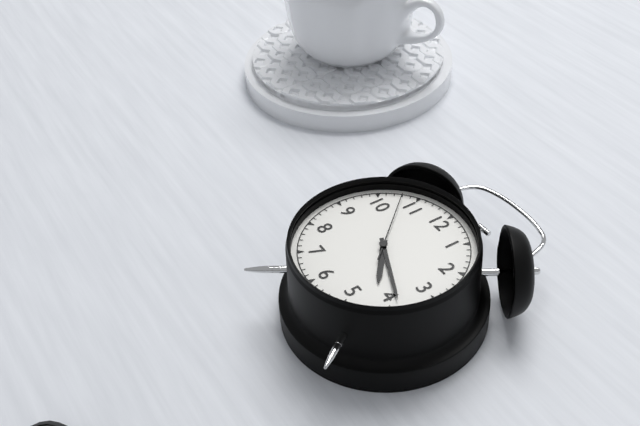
4:19:53
